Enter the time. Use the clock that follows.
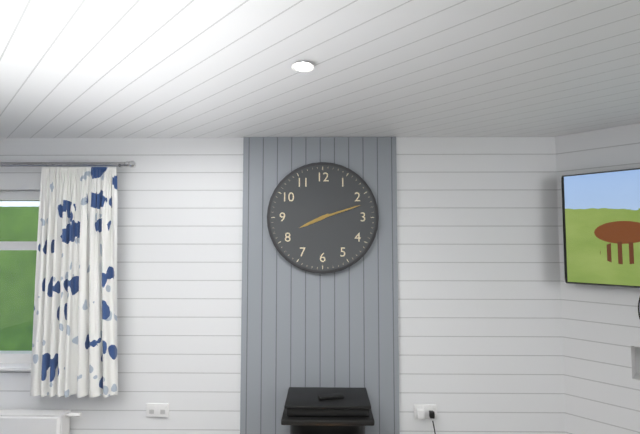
8:12
